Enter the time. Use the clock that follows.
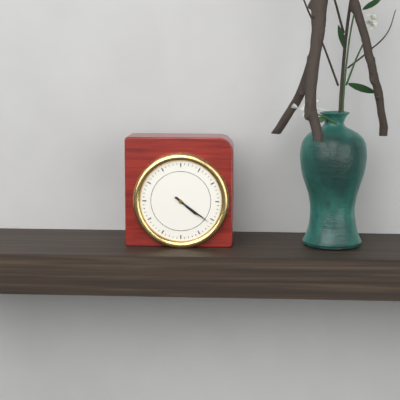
4:21
